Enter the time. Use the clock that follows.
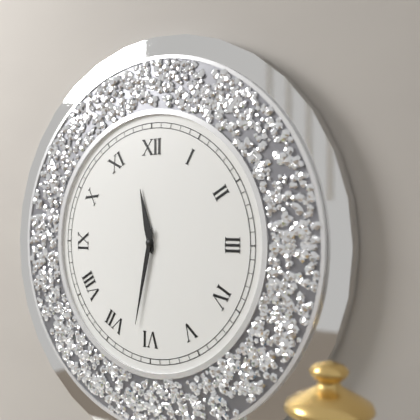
11:32
